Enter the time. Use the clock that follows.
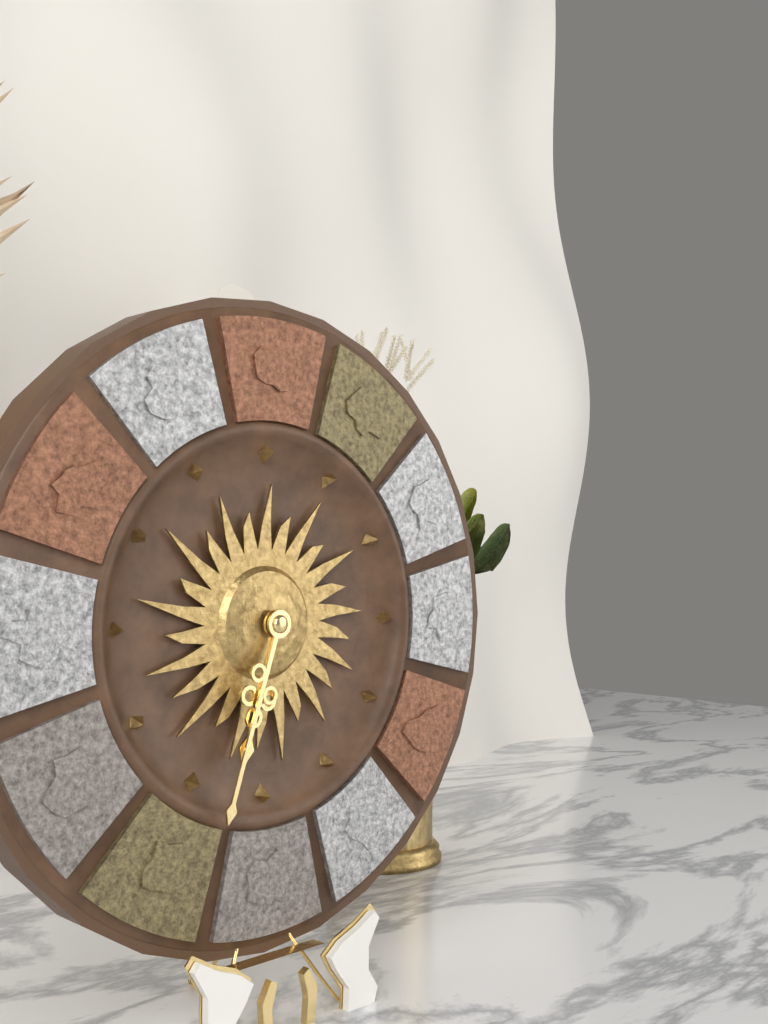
6:33
